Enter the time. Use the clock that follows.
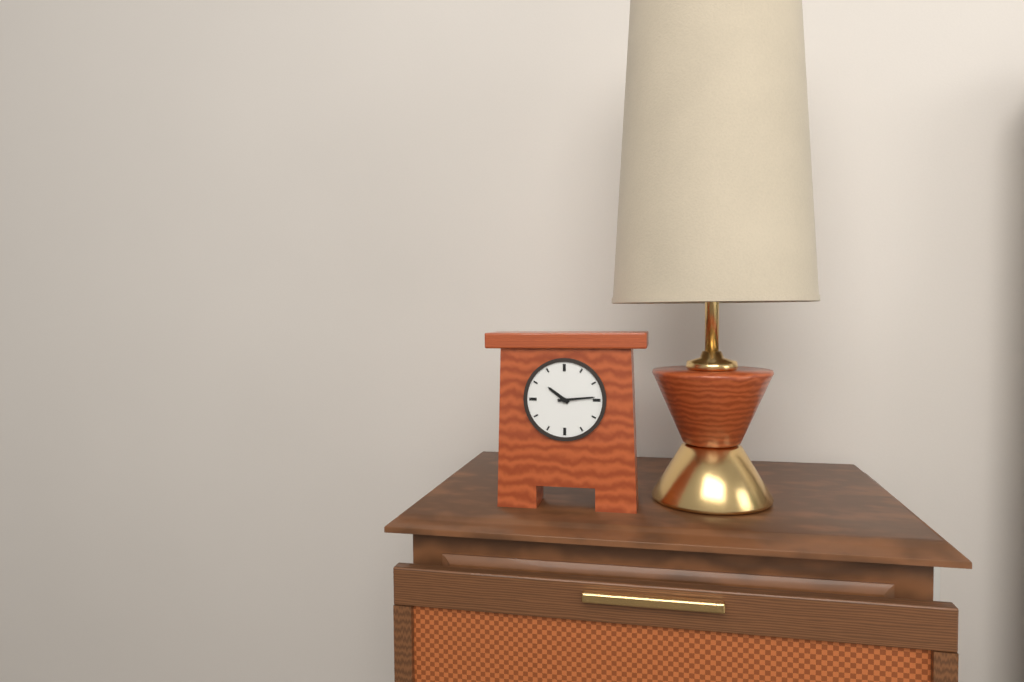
10:14
